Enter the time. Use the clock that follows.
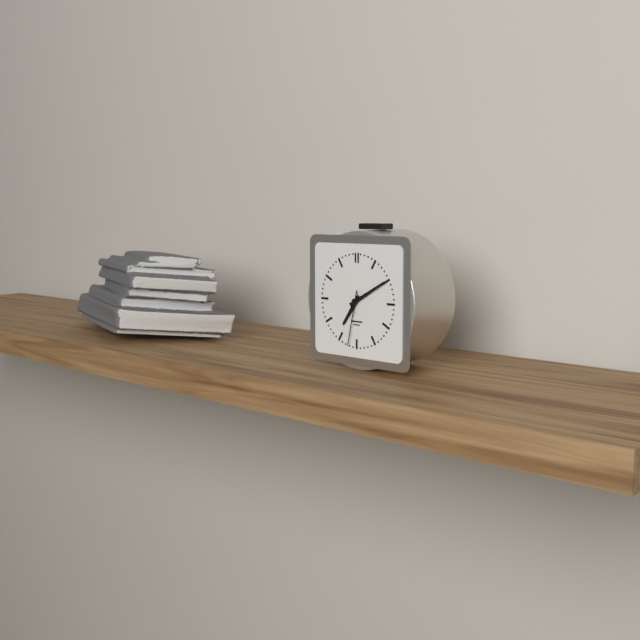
7:10:32
